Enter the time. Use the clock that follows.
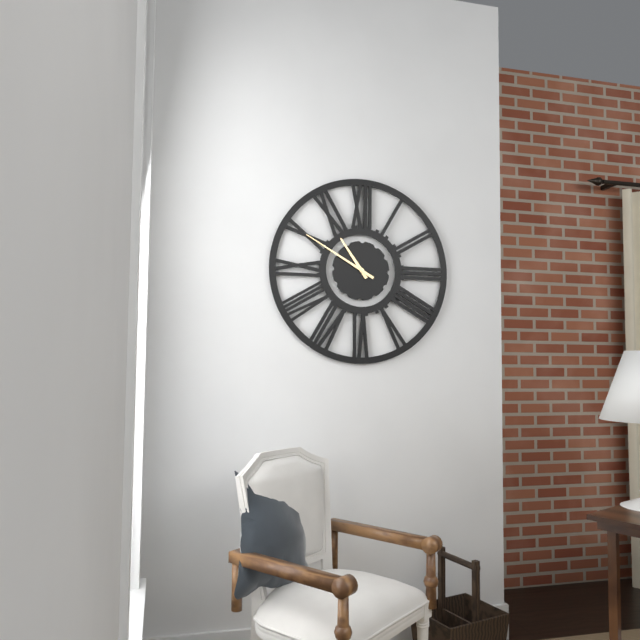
10:50
